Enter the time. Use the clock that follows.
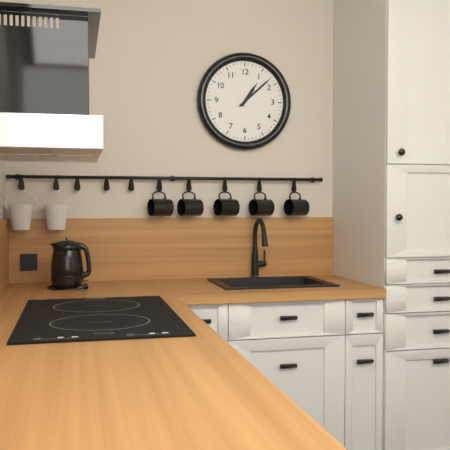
1:08
